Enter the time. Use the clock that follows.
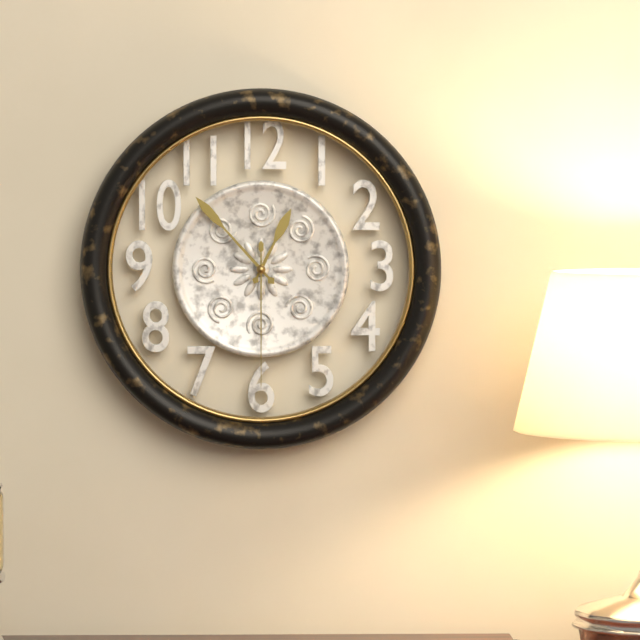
12:53:30
